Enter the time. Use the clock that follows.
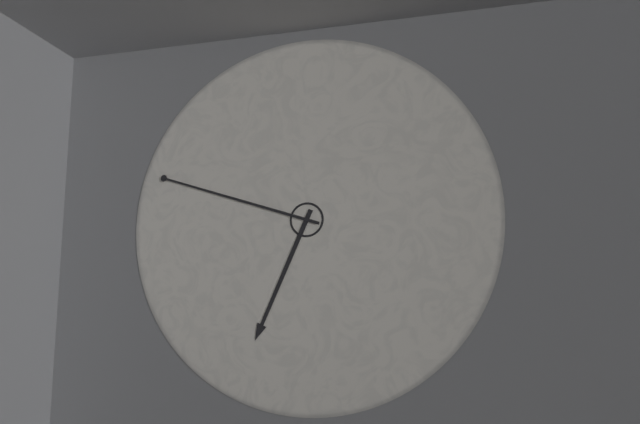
6:48
